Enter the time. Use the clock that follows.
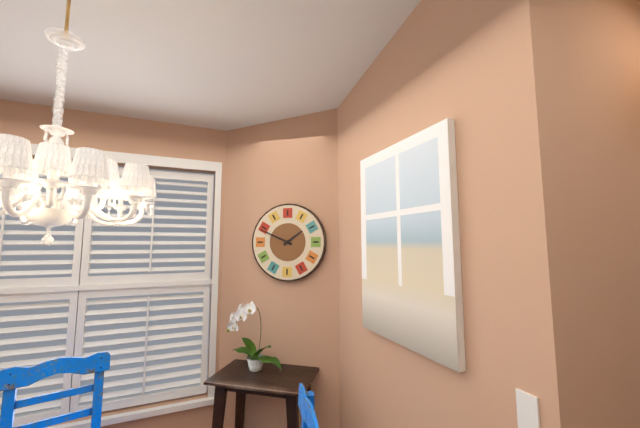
1:49
